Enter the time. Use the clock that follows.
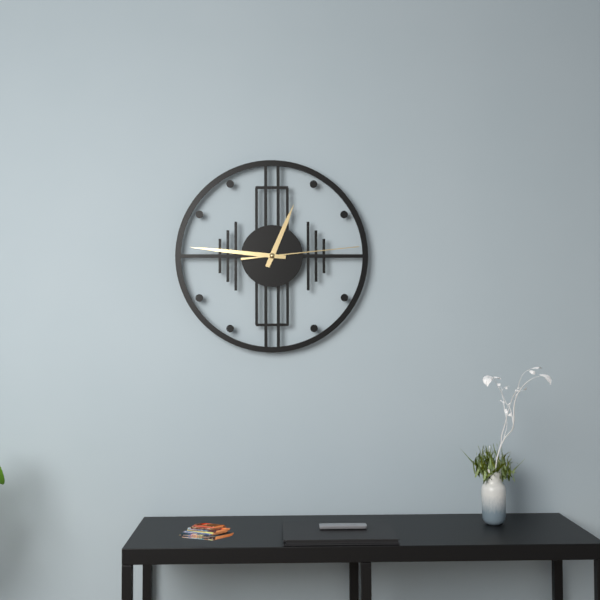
12:46:14
